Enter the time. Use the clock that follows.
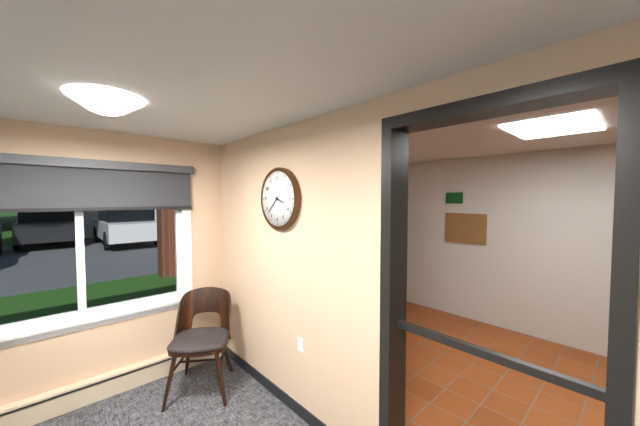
3:38
